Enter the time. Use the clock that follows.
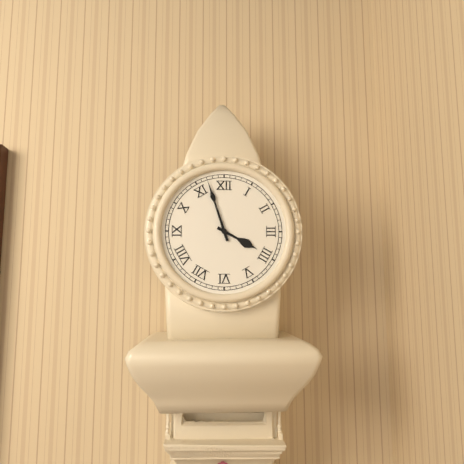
3:57
